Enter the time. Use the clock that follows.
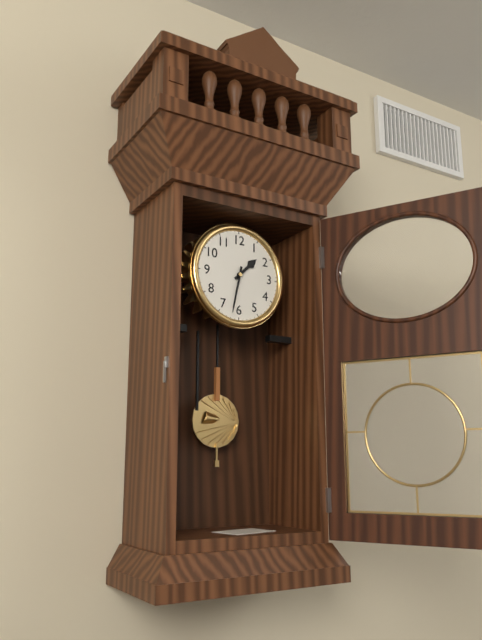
1:32
